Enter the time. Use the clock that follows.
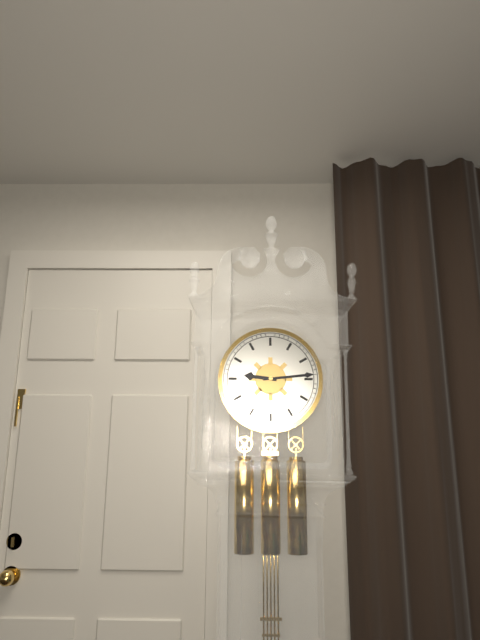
9:14
